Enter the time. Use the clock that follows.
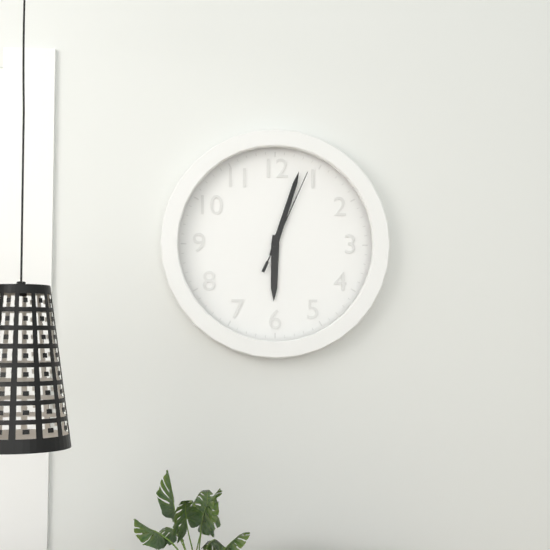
6:03:04
